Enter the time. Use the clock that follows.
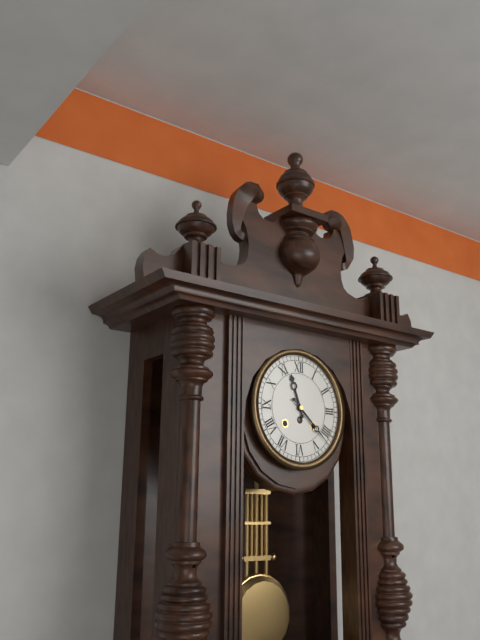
11:22
